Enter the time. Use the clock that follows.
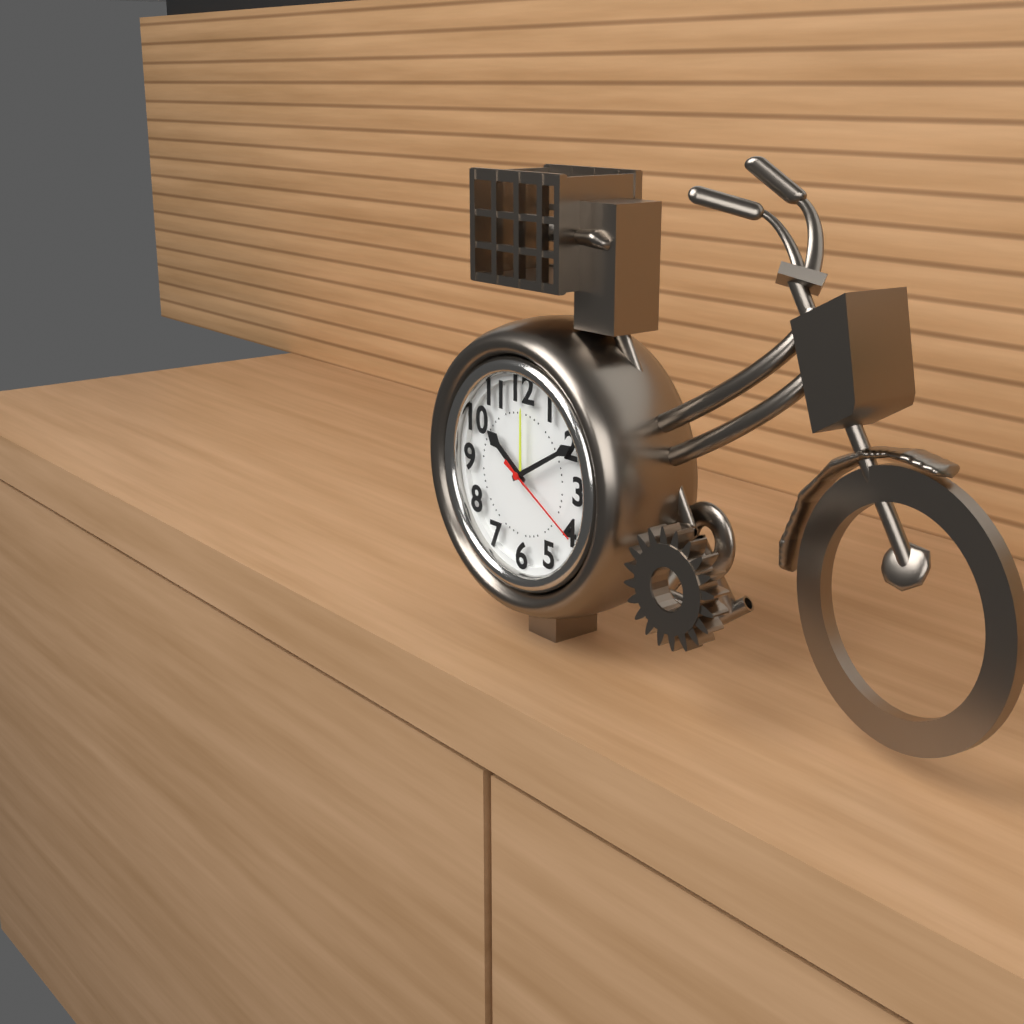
10:10:20
